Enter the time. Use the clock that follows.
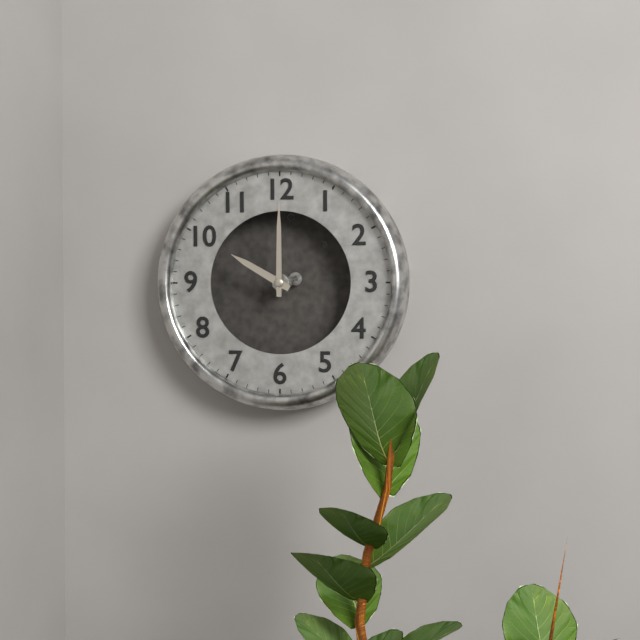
10:00
